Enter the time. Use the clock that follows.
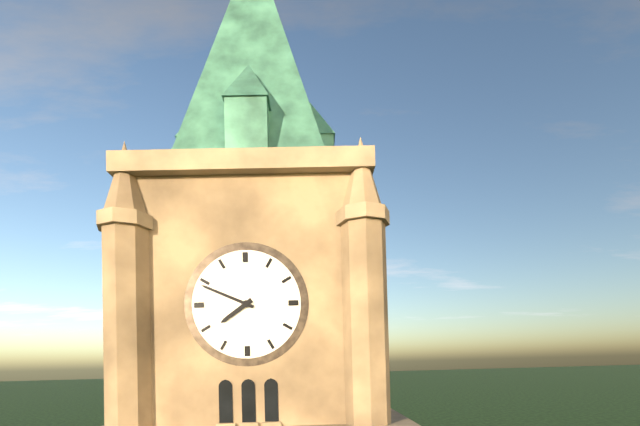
7:49
